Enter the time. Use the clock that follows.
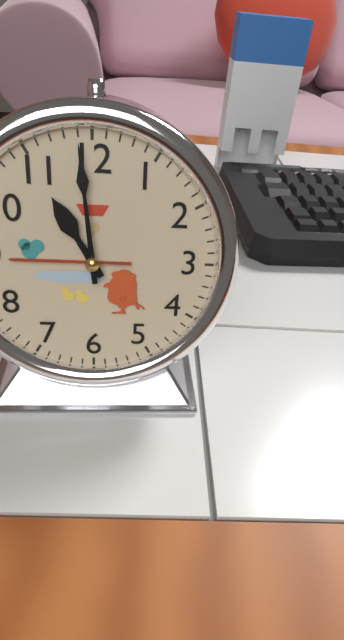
10:59
